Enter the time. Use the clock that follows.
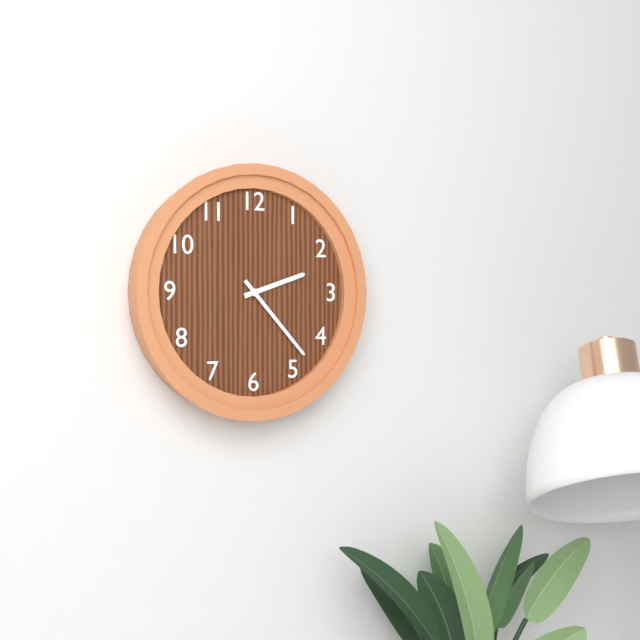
2:23
